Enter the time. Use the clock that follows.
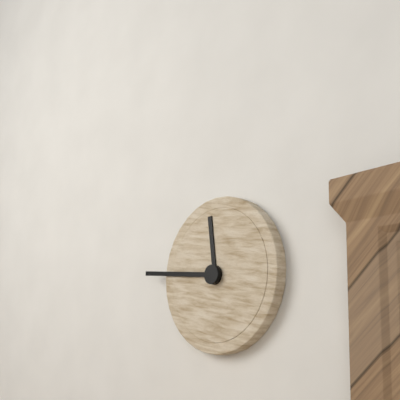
11:46
